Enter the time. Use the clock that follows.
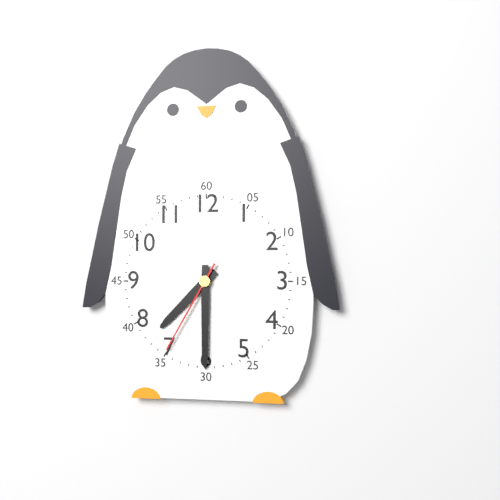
7:30:35
